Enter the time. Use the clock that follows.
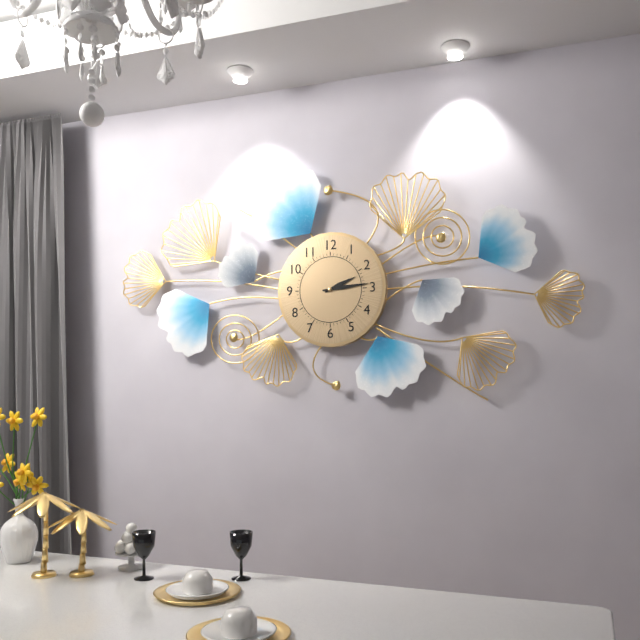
2:14
